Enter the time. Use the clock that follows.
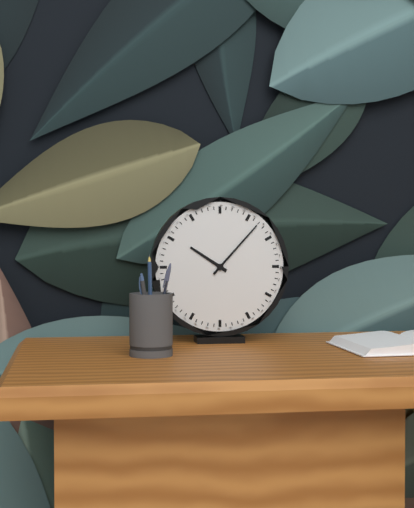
10:07
